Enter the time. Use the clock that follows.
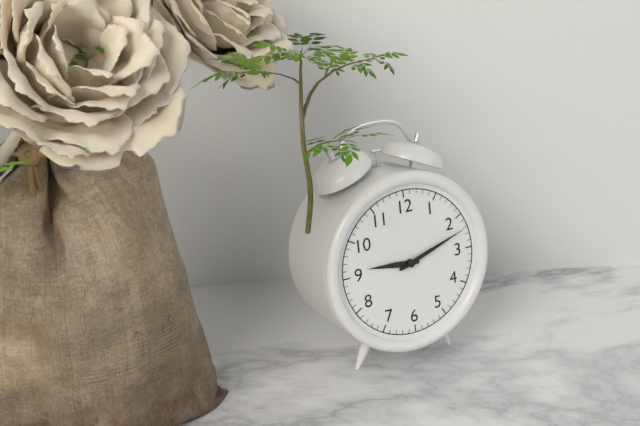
9:12
